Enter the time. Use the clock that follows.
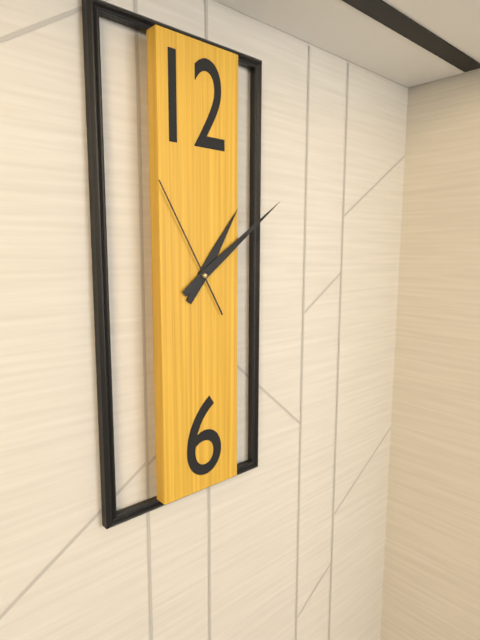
1:09:55
